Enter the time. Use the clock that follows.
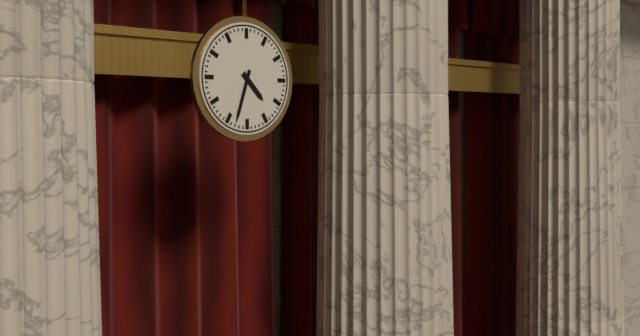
4:33
